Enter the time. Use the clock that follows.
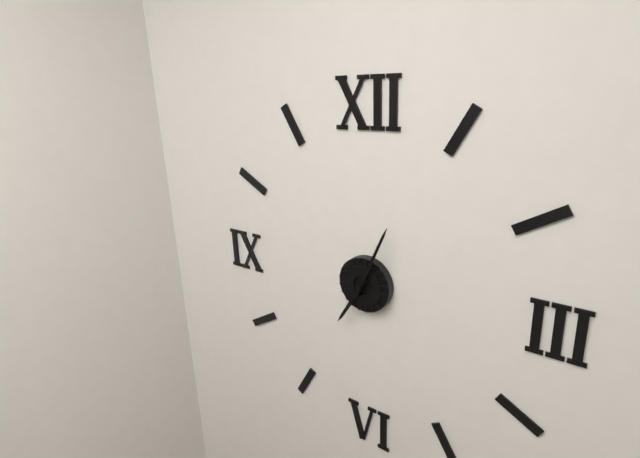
7:04
